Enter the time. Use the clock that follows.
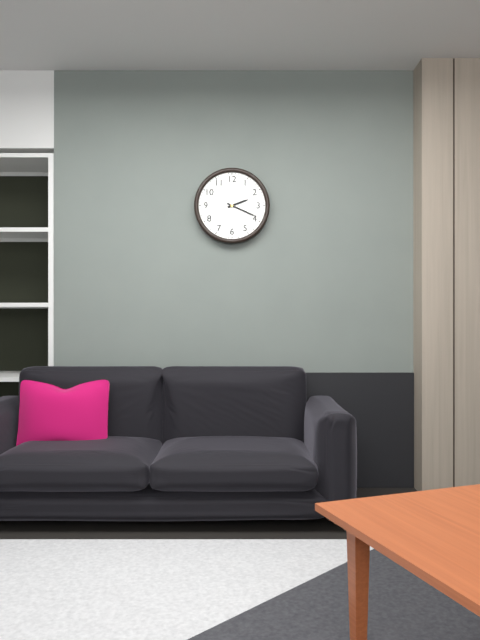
2:19
